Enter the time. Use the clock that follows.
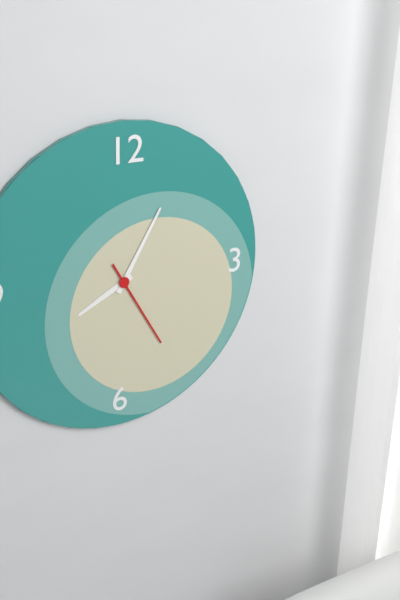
8:05:25
